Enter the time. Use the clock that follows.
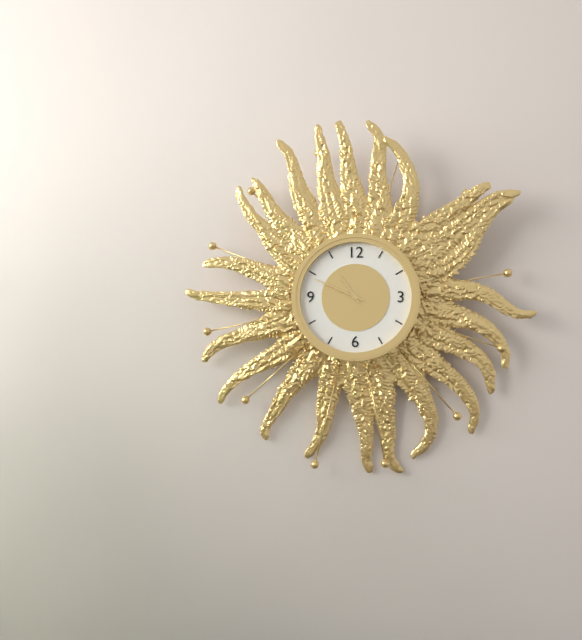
10:49
